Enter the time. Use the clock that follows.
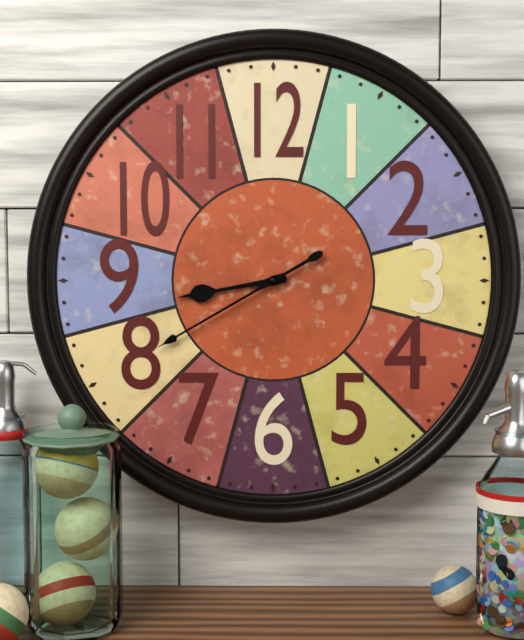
8:40
